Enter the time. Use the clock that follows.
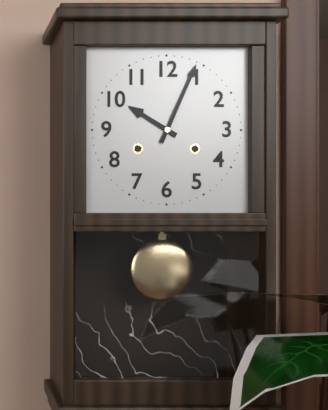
10:04
